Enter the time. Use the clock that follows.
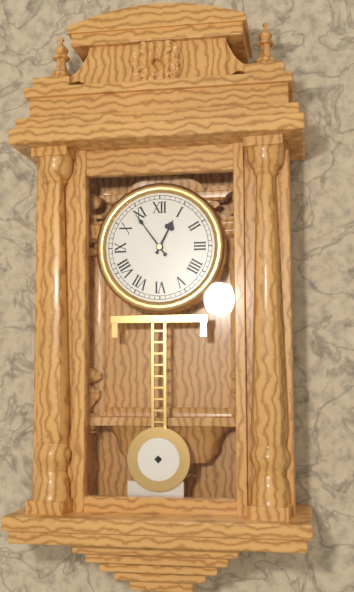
12:54
